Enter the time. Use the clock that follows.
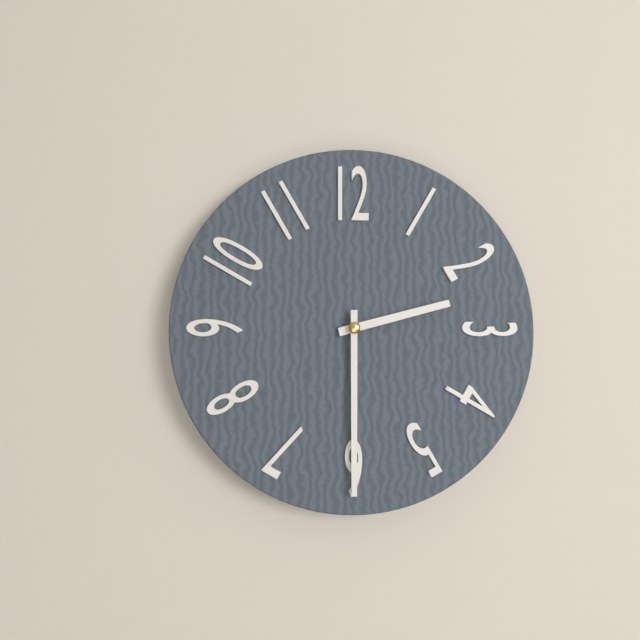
2:30
